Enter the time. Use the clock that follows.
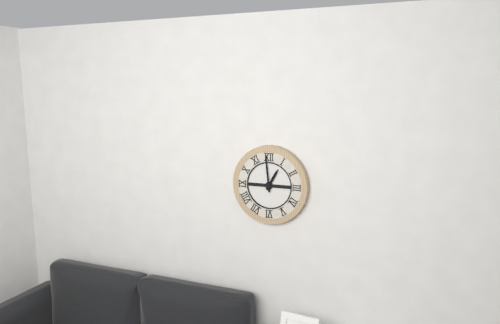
12:59
